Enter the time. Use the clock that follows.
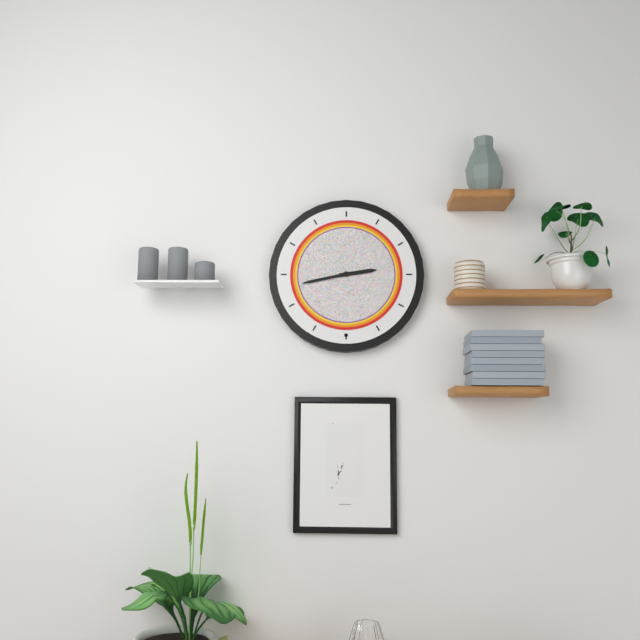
2:43
